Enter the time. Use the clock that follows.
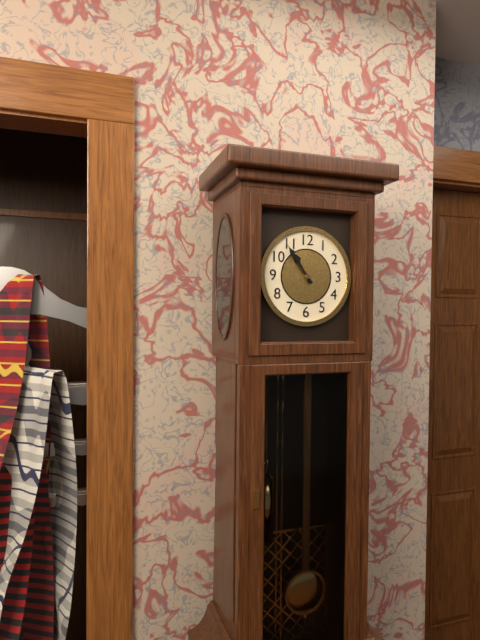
10:54
